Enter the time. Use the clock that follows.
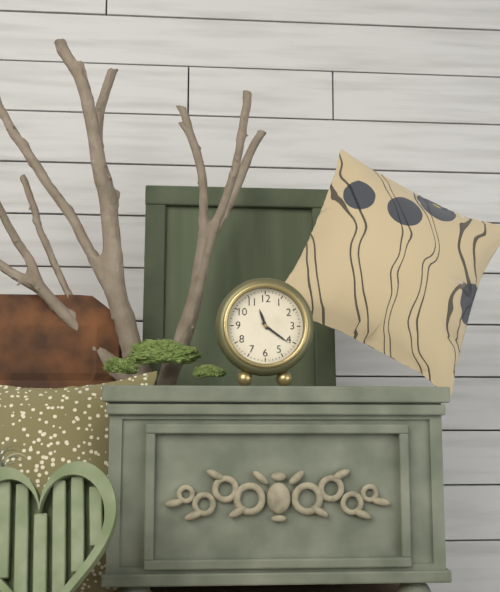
11:21
